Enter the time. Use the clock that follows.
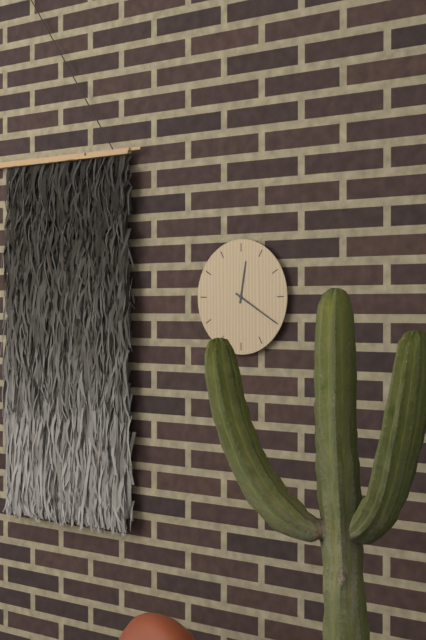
12:20
